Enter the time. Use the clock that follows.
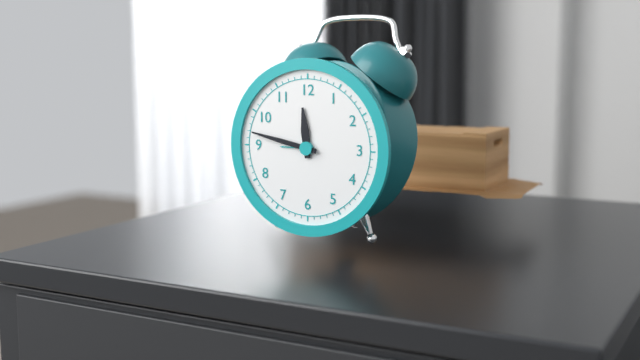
11:47
